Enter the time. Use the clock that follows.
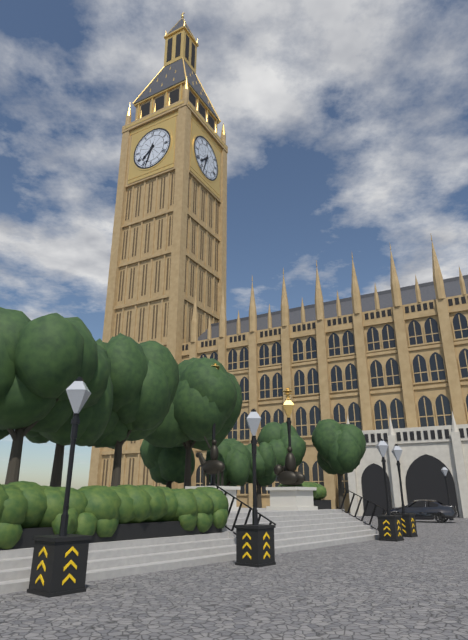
7:33
